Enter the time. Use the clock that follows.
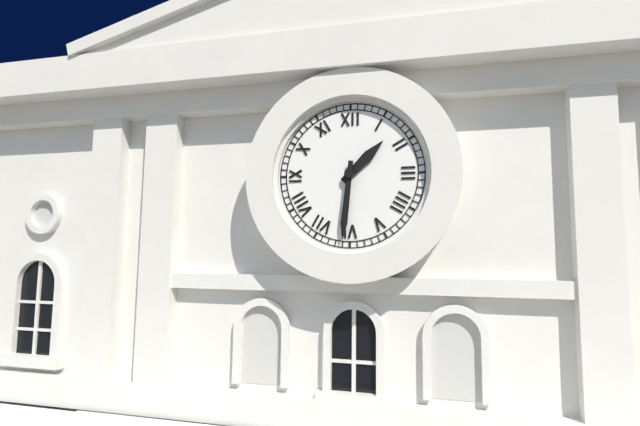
1:31
